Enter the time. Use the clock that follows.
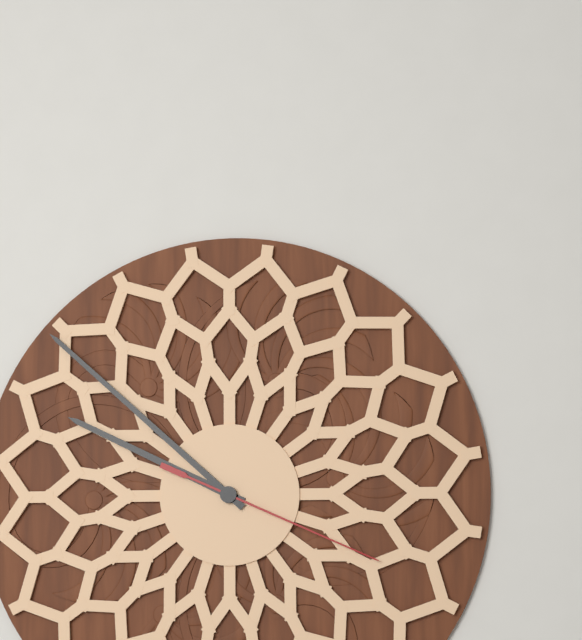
9:52:19
